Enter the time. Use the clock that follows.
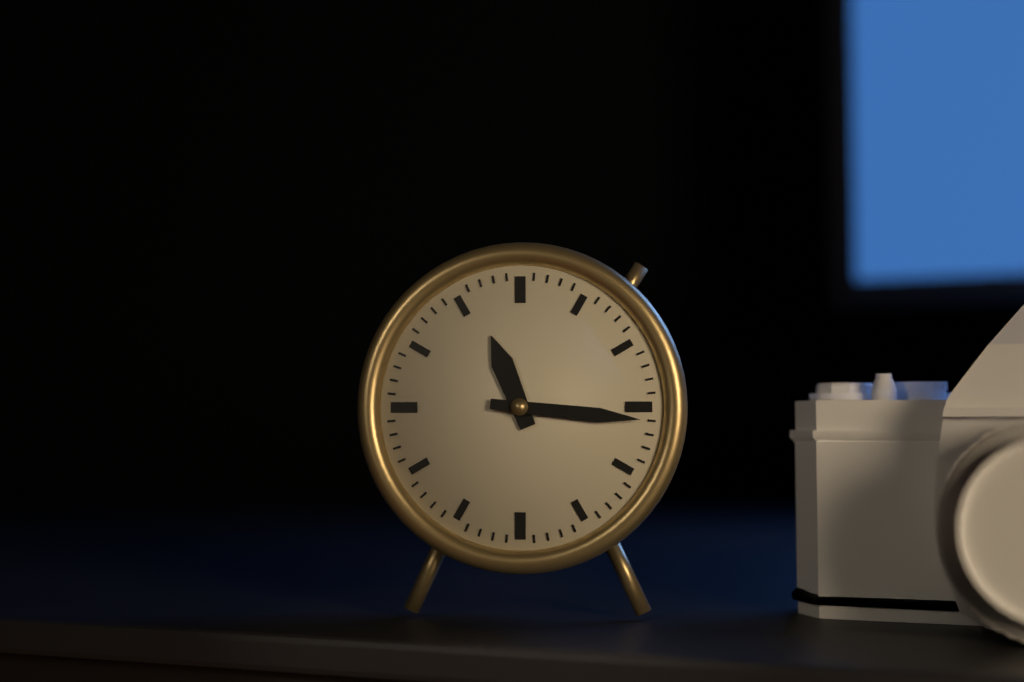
11:16
